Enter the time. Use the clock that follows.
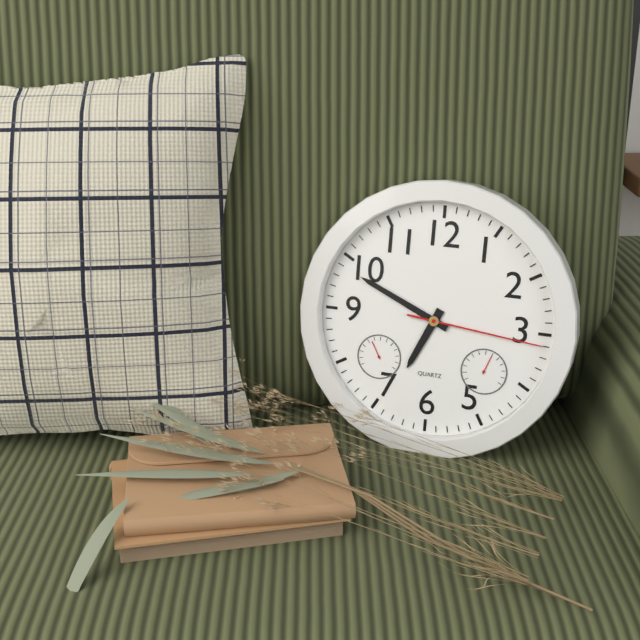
6:49:16
